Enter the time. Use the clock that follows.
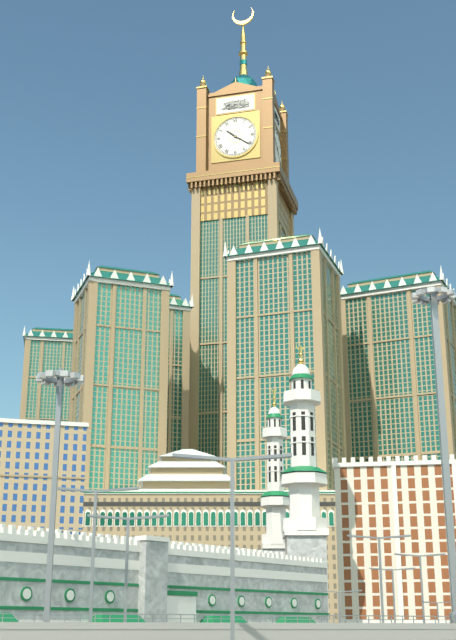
10:21
